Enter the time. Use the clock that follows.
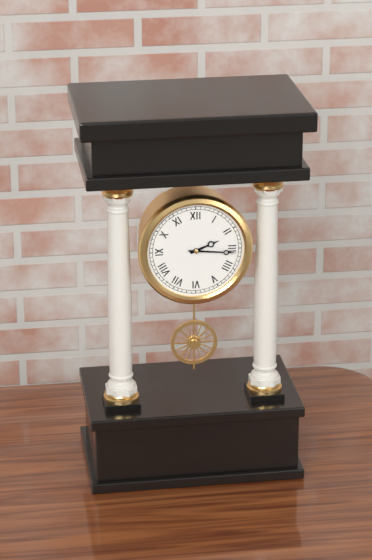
2:16
